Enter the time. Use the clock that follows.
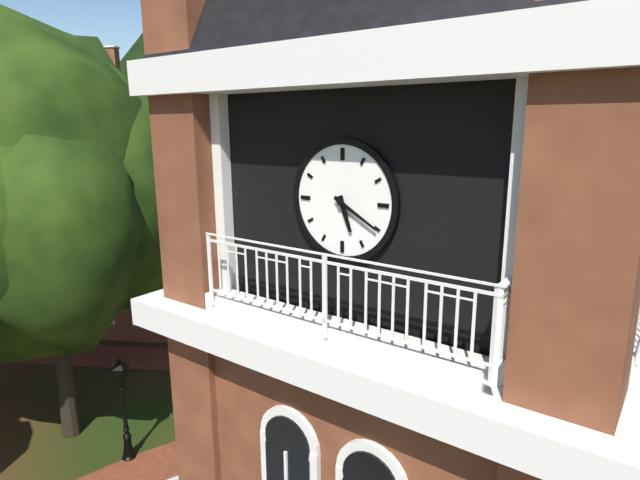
5:20
